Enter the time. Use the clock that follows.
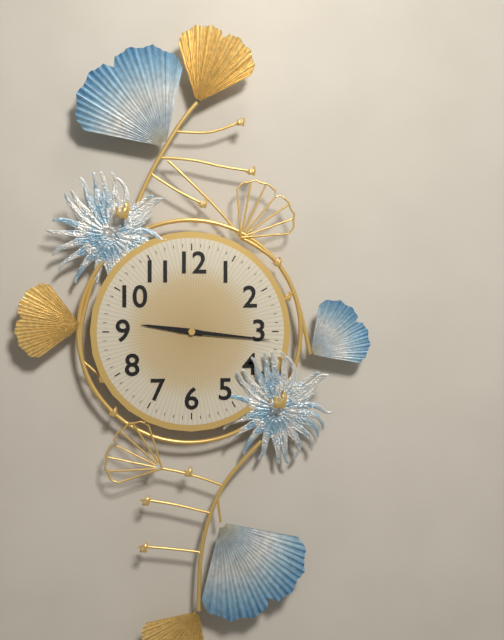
9:16
